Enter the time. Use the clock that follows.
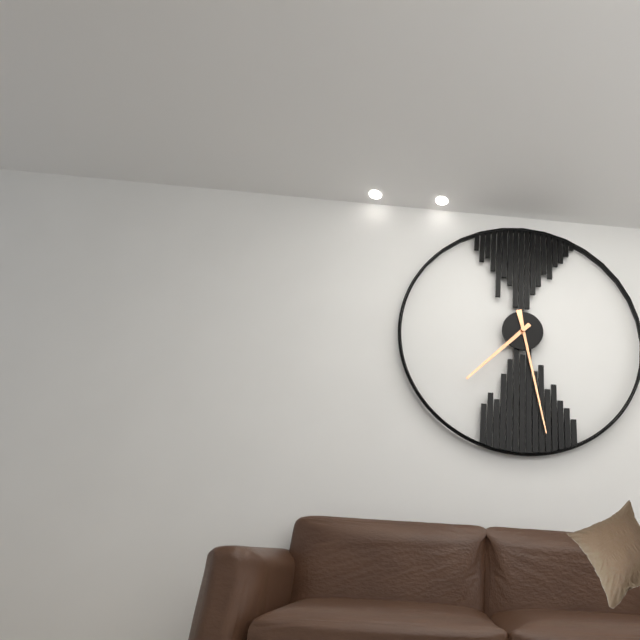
7:28
